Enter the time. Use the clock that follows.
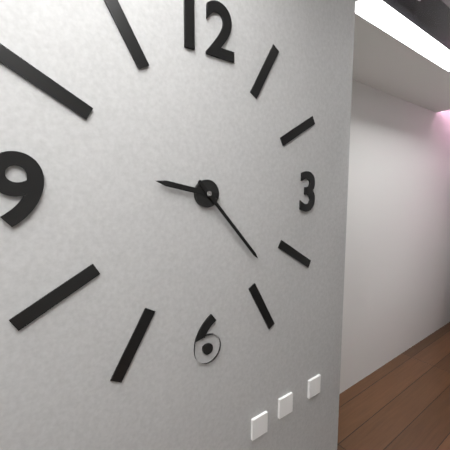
9:23
